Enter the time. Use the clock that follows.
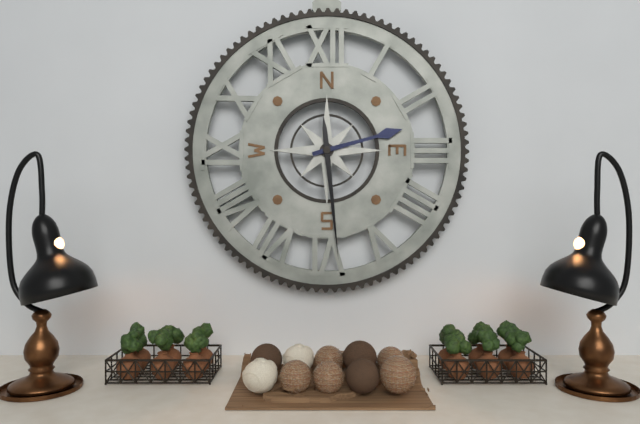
2:29
